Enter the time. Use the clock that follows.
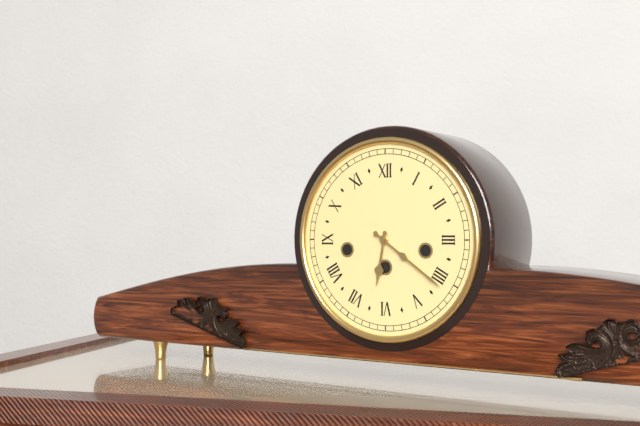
6:21
